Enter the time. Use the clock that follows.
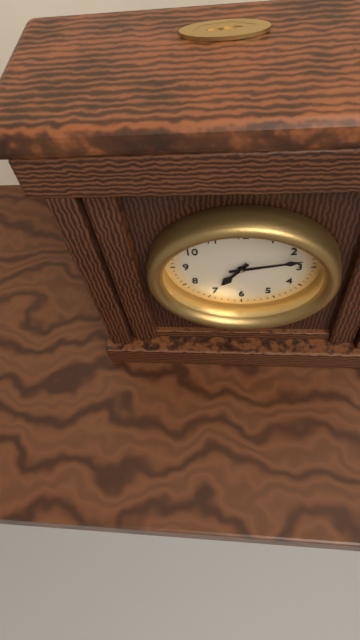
7:13
